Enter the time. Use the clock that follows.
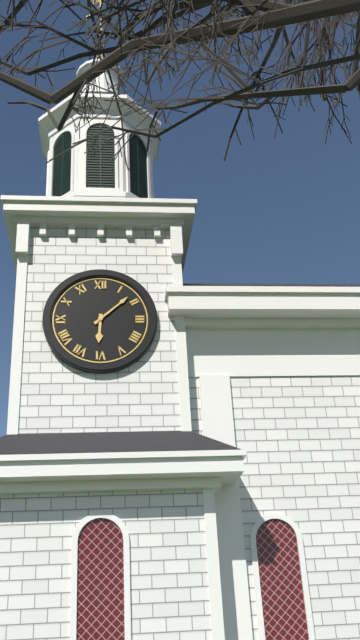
6:08
